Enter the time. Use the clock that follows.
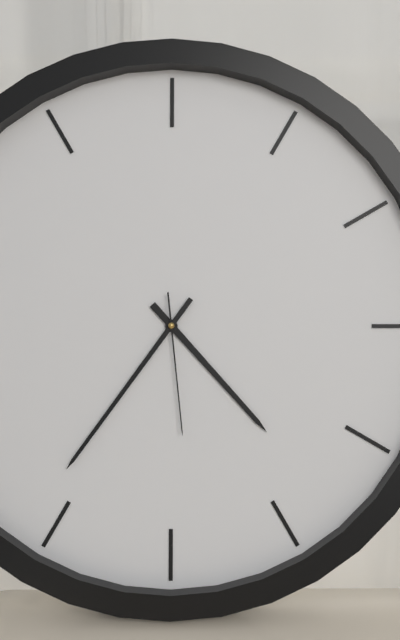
4:36:29
